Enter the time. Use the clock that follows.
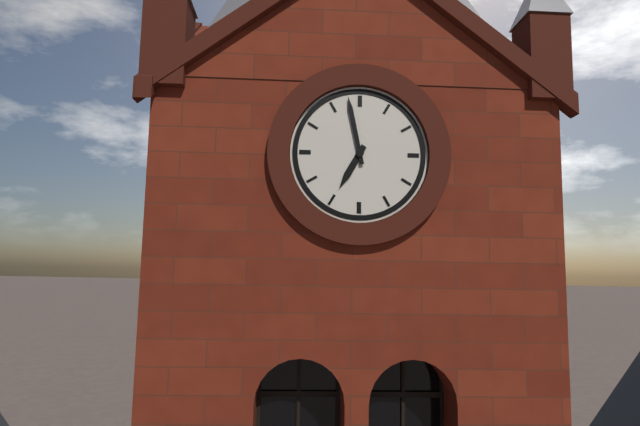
6:58
